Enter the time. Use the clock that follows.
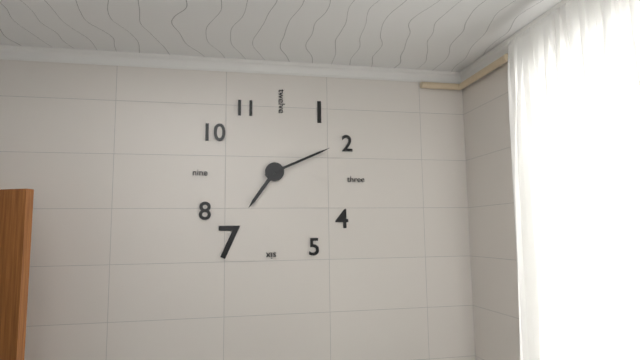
7:11
